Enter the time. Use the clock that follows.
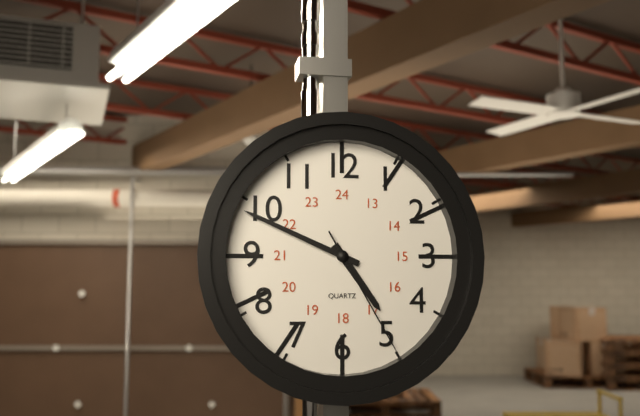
4:49:25
